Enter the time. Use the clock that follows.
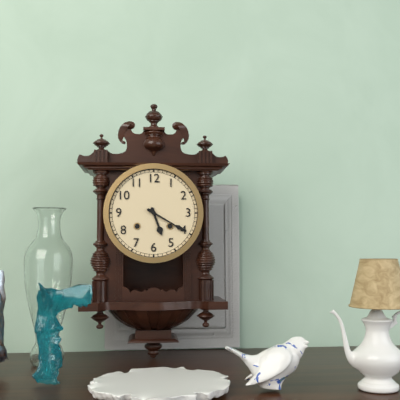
5:20
